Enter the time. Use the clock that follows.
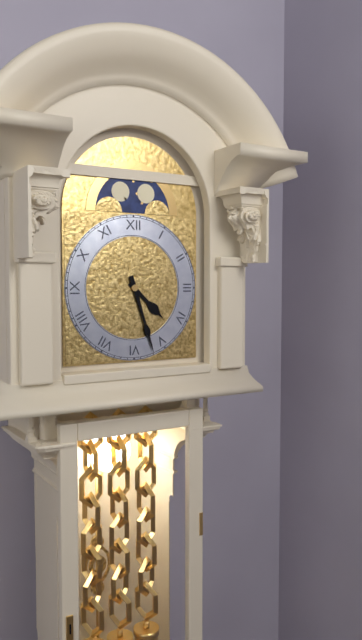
4:27
